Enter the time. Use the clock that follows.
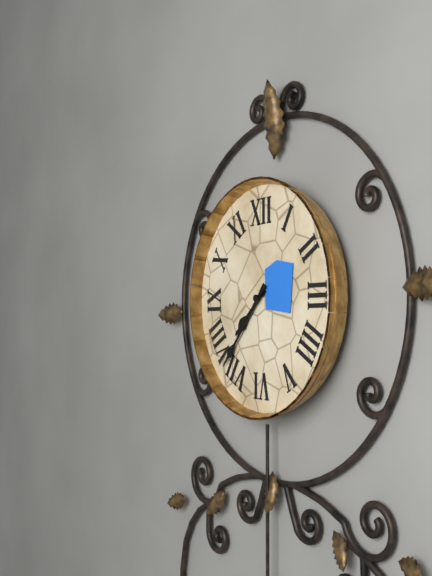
7:37
